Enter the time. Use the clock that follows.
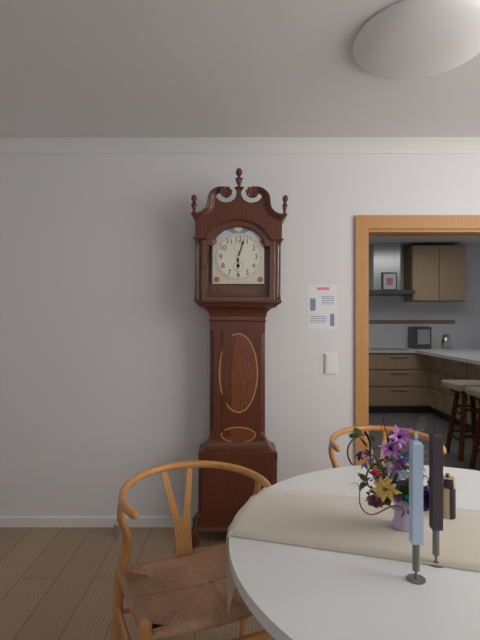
6:03
